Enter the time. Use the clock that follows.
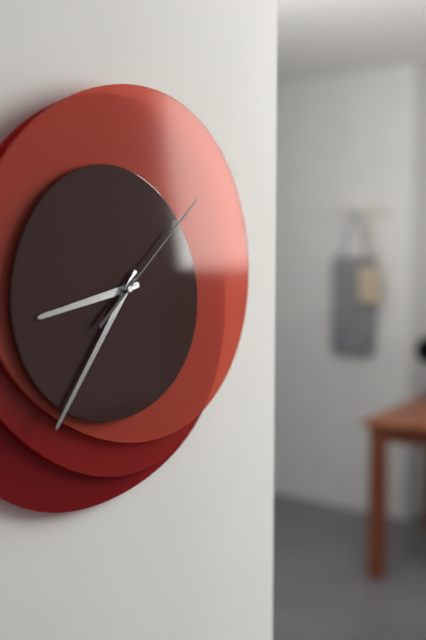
8:36:08
